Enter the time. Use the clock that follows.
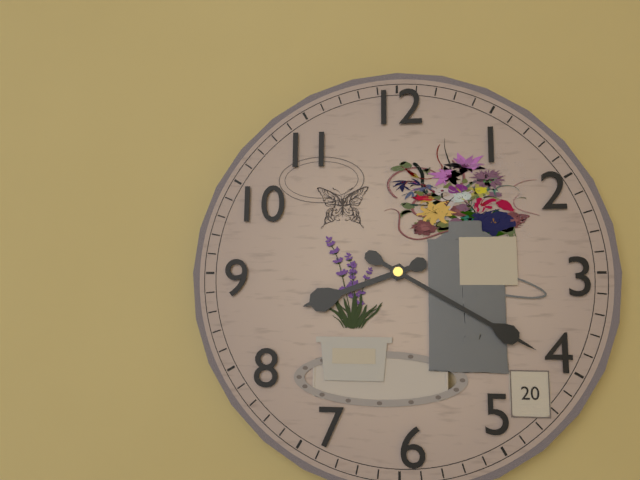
8:20
